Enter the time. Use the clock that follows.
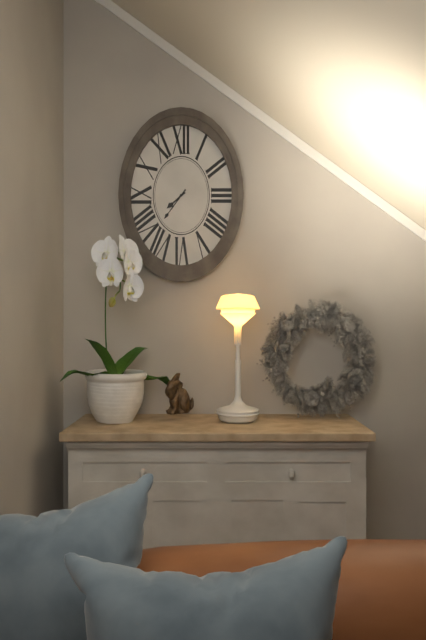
7:36
